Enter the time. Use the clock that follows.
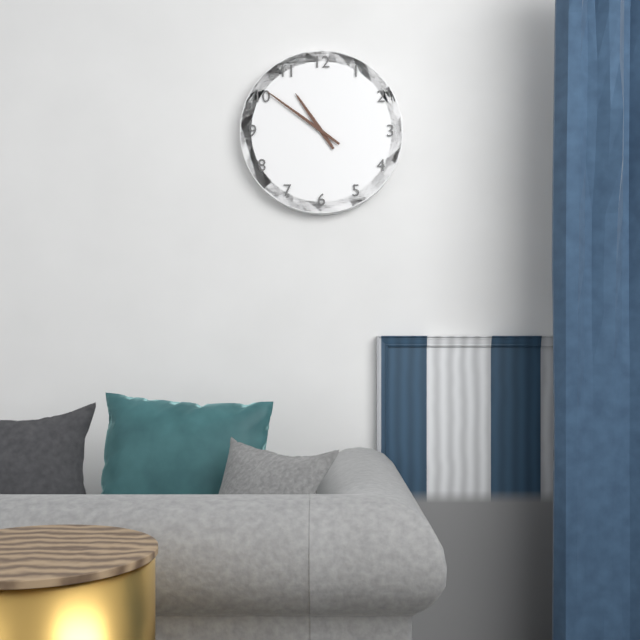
10:51
